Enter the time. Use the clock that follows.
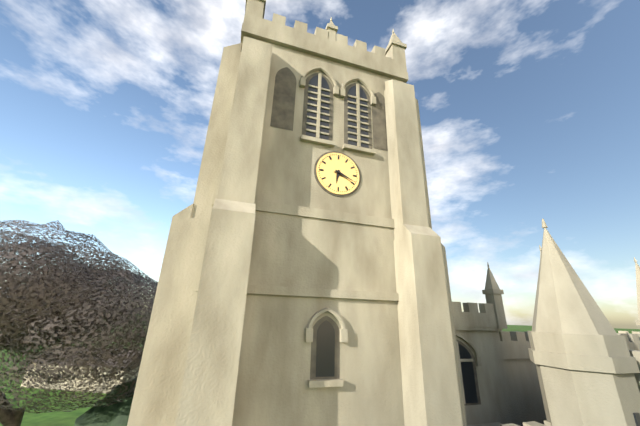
6:19
